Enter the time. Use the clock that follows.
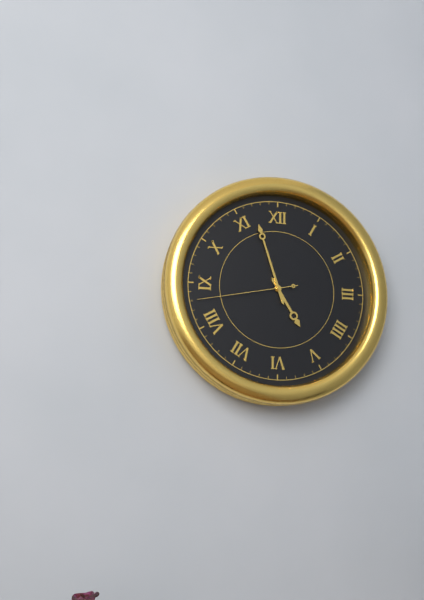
4:57:43
